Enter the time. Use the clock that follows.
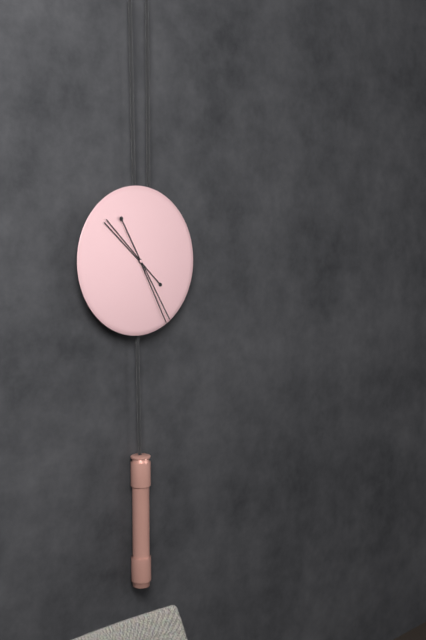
10:25
